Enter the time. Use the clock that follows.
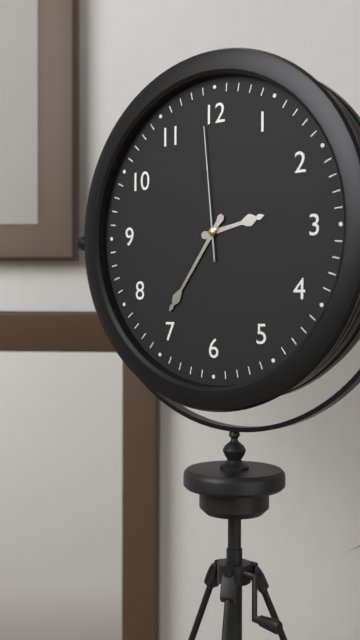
2:36:59
